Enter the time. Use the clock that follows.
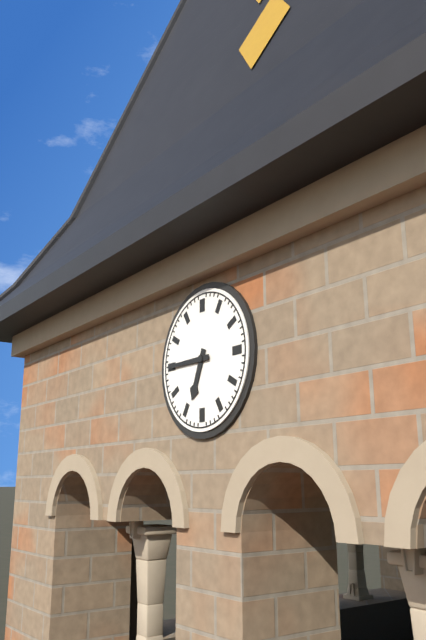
6:45
